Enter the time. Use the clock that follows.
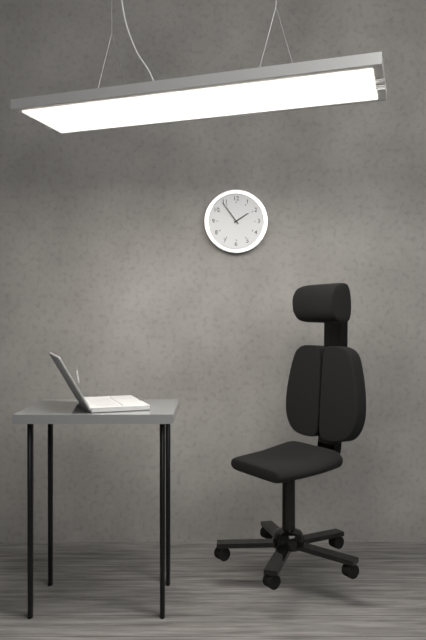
1:54
